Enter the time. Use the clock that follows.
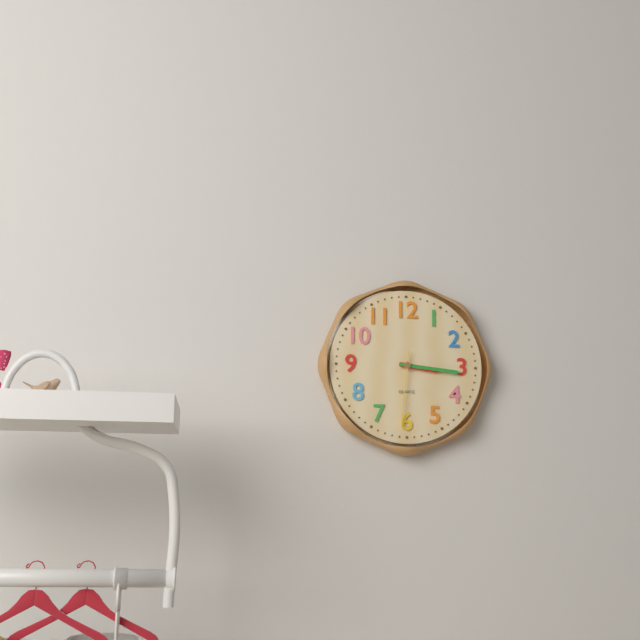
3:16:31
